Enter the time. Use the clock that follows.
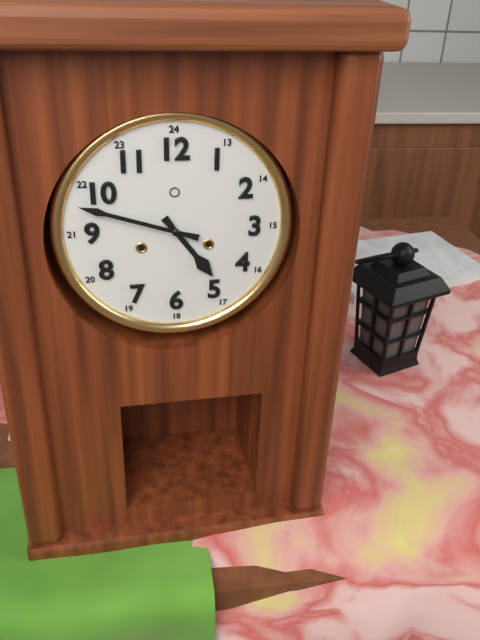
4:48
